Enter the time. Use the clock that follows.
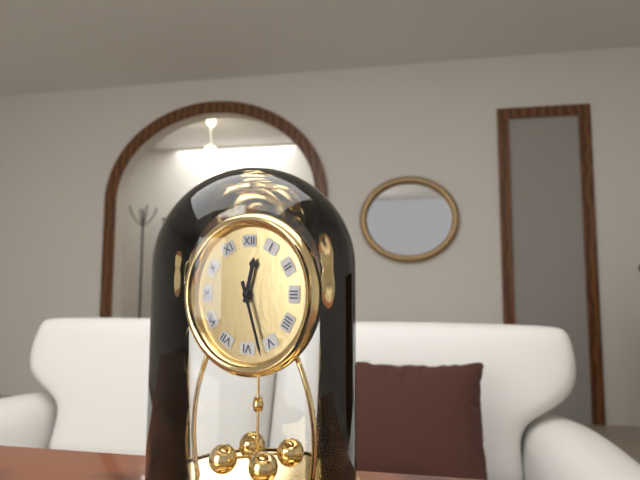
12:27
